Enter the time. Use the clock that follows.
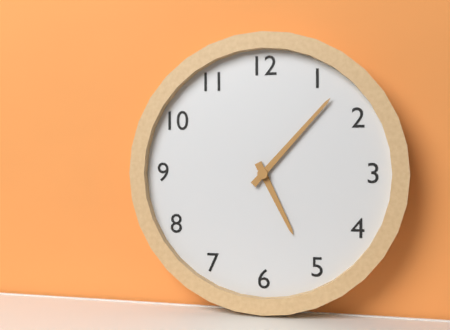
5:07
